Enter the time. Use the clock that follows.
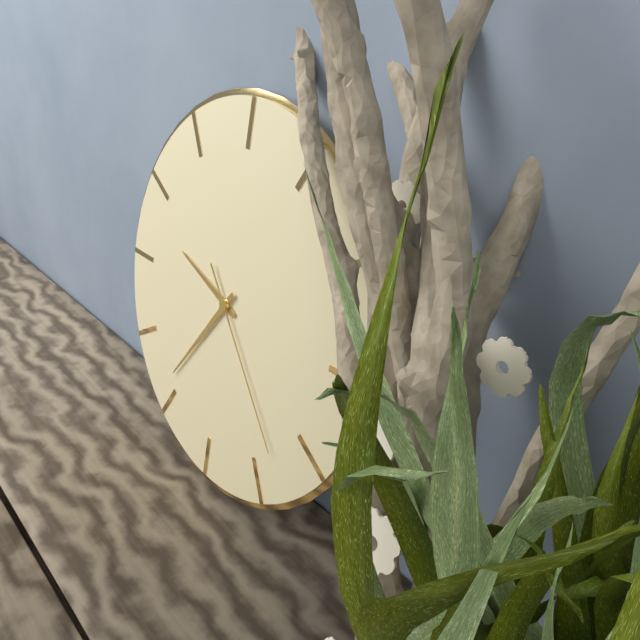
9:36:23
